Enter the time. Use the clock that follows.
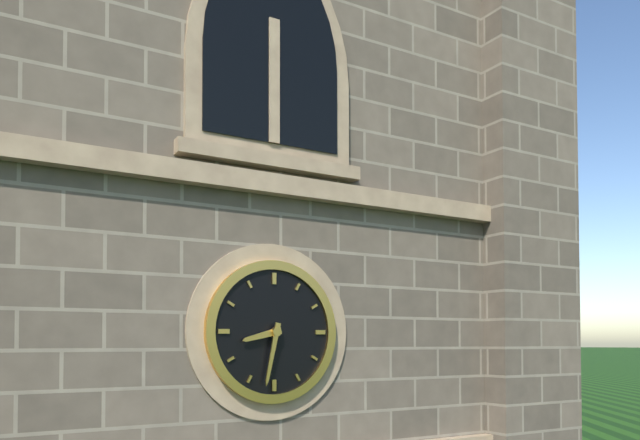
8:32
